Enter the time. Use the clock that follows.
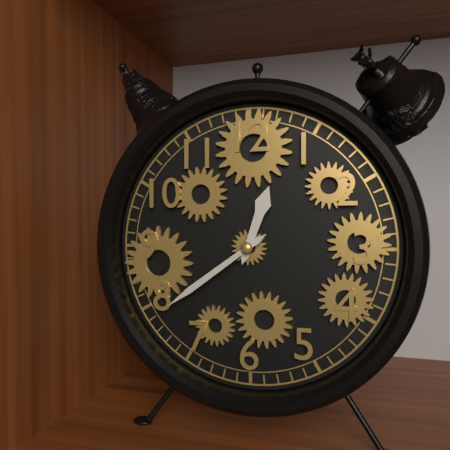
12:39
